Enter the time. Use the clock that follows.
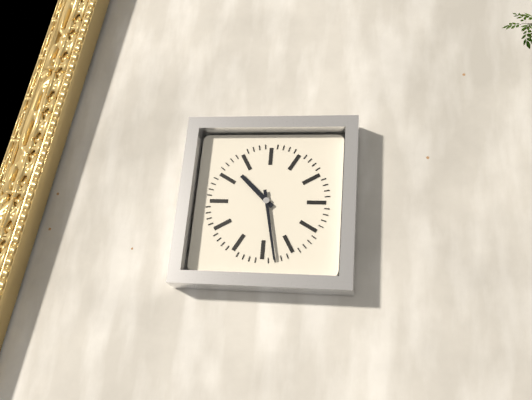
10:28
